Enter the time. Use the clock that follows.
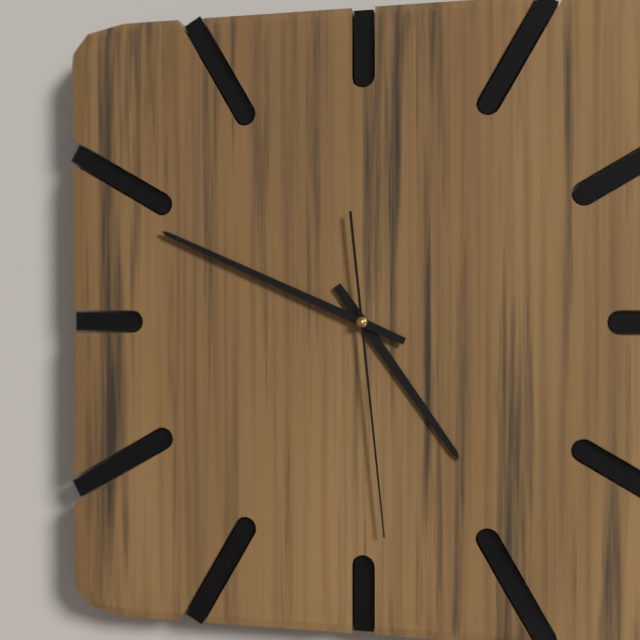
4:49:29
